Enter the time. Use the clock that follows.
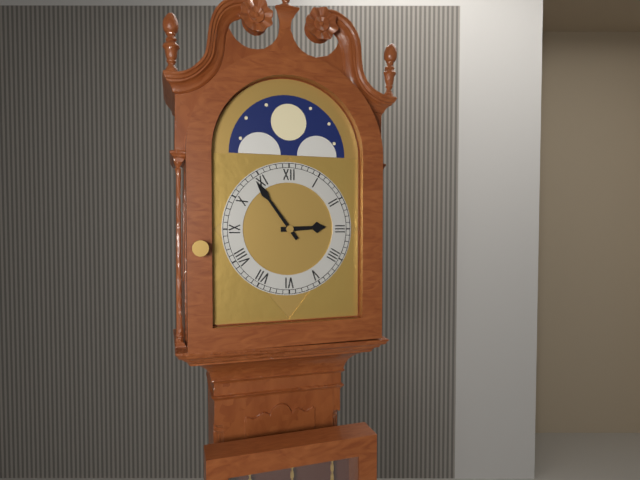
2:54
